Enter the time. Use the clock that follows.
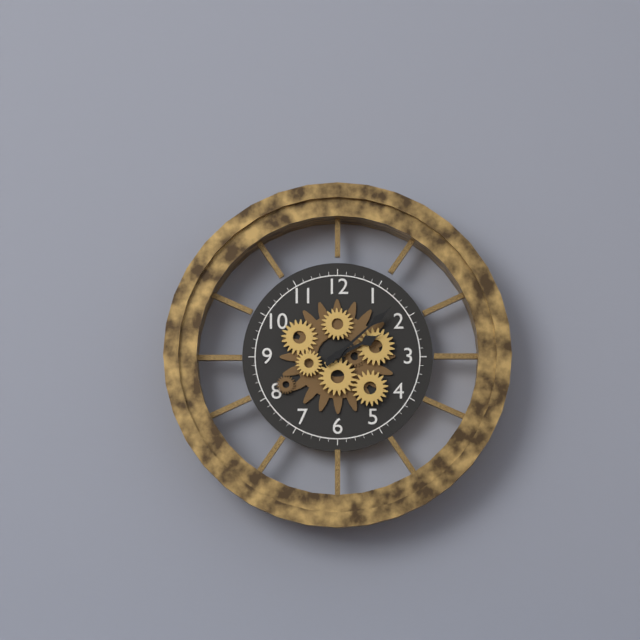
2:08
